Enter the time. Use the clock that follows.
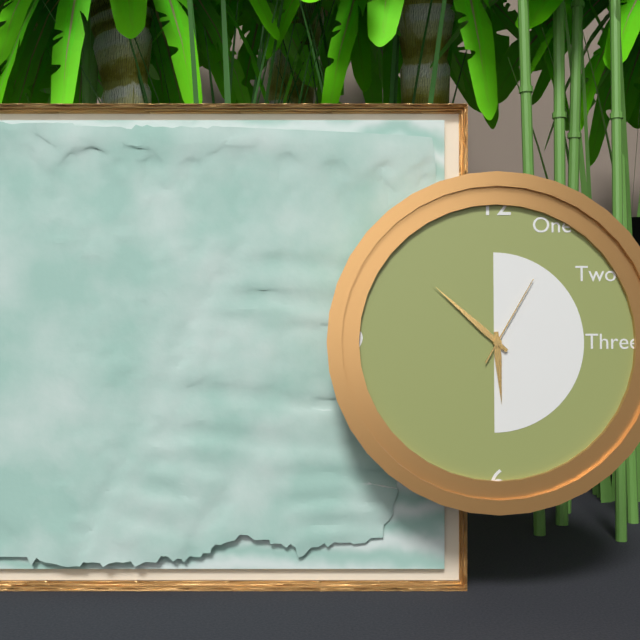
5:52:05
